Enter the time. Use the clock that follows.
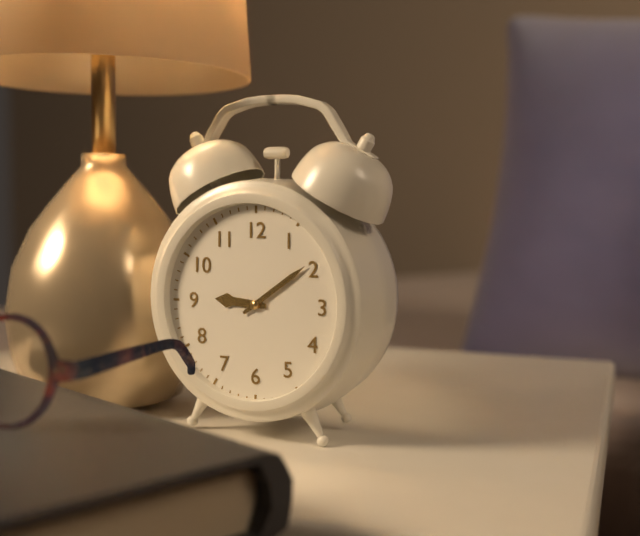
9:09
